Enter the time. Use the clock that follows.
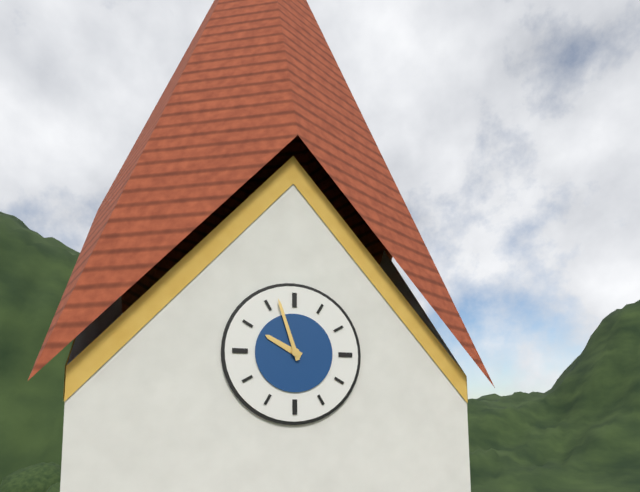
9:57
